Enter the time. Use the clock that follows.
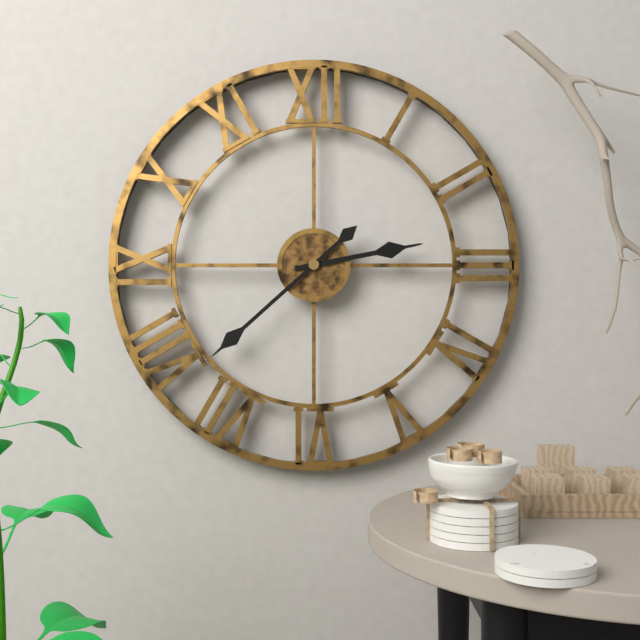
2:38
